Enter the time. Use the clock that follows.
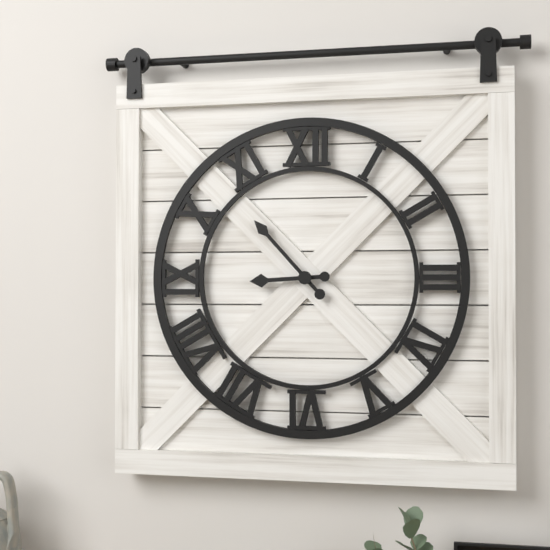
8:53
